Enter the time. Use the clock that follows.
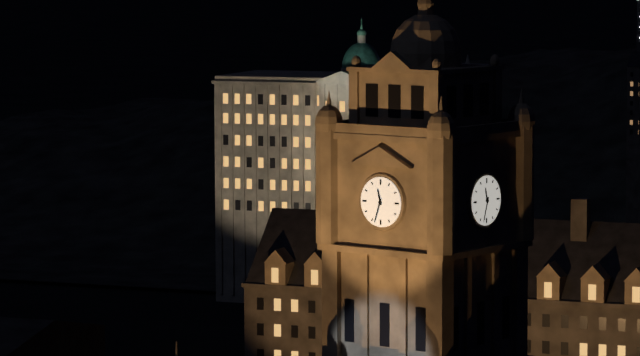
11:33
